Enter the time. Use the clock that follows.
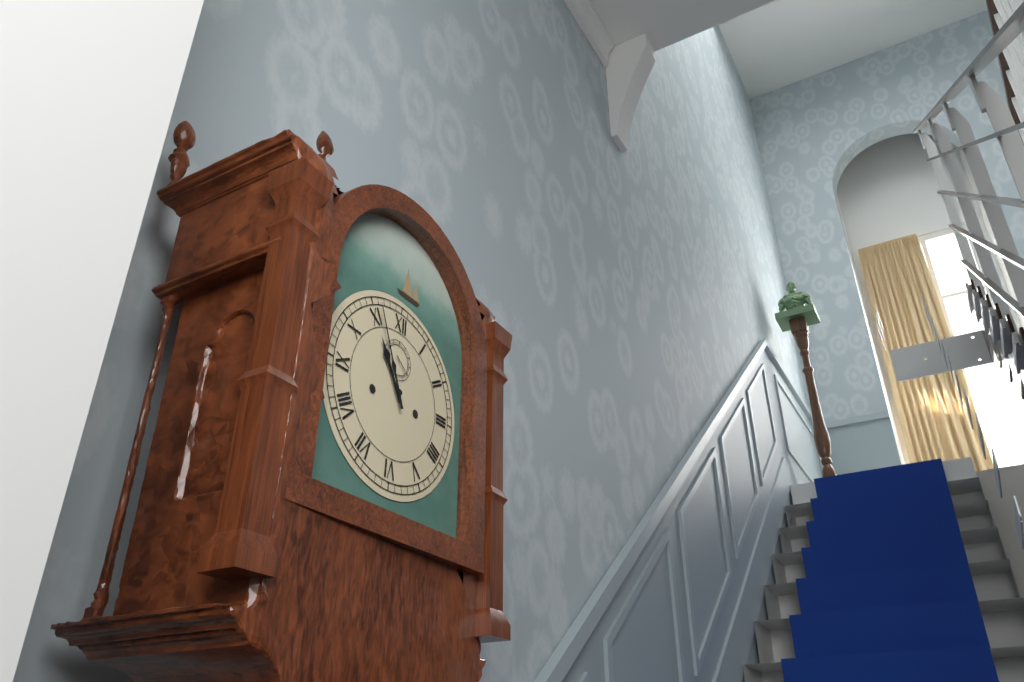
10:56
